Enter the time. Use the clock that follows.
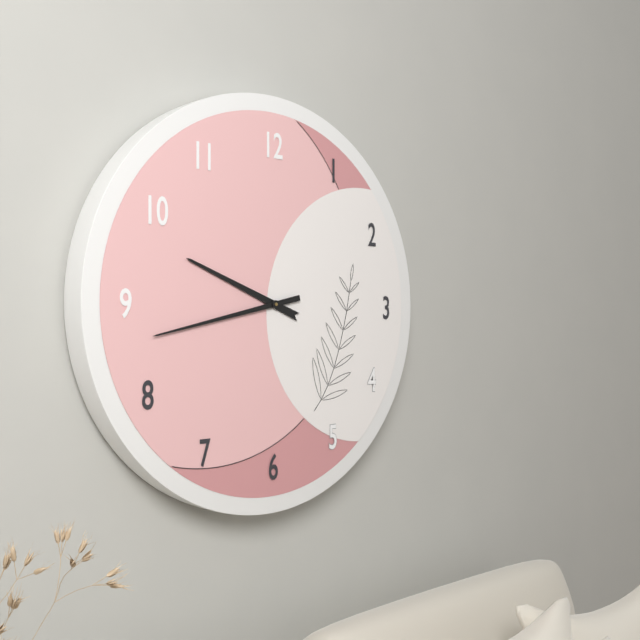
9:43
